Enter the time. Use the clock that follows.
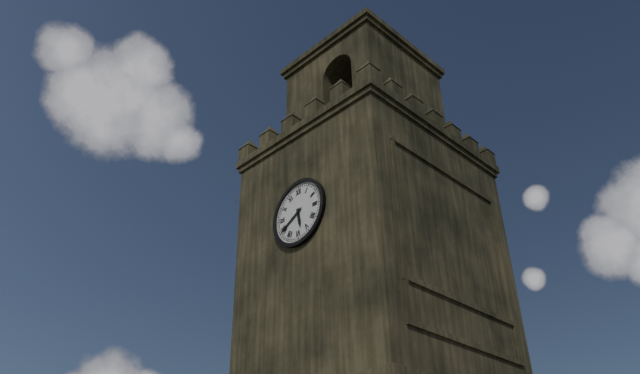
5:40
